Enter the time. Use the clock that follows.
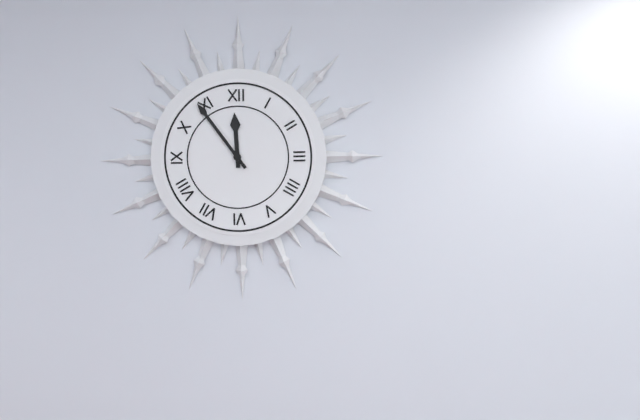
11:54
